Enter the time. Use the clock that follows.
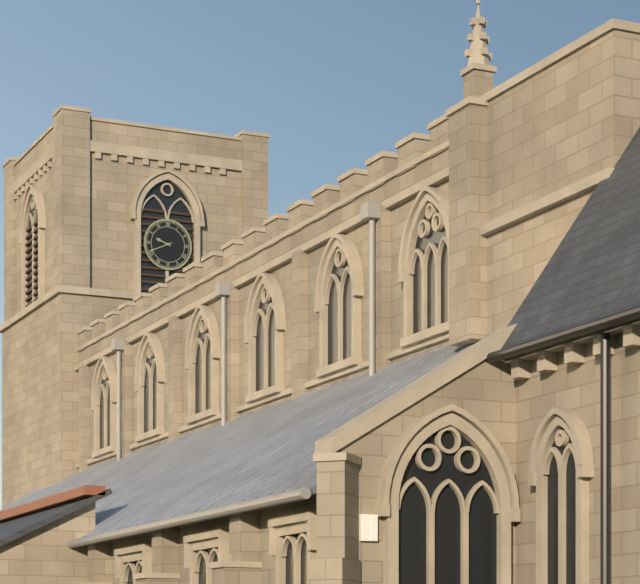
9:41
